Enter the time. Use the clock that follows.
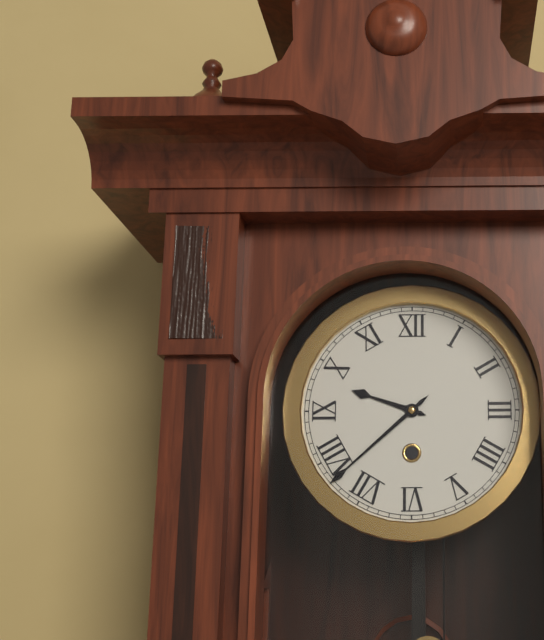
9:38
